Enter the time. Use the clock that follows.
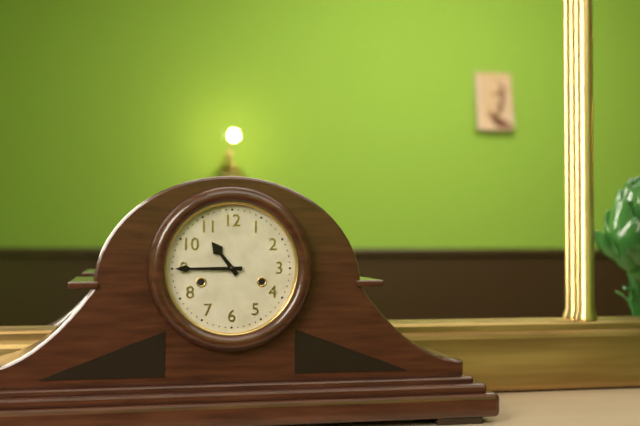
10:45
